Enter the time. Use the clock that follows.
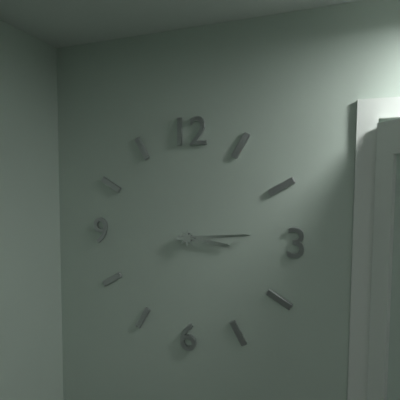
3:14
